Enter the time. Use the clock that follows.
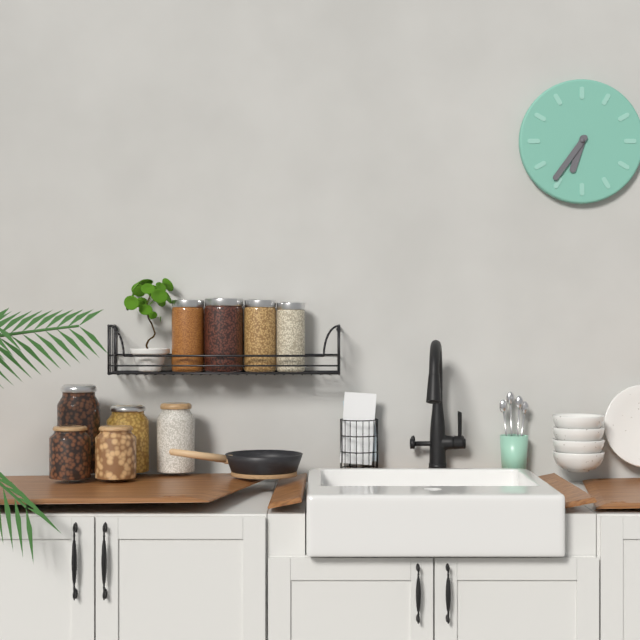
6:36
